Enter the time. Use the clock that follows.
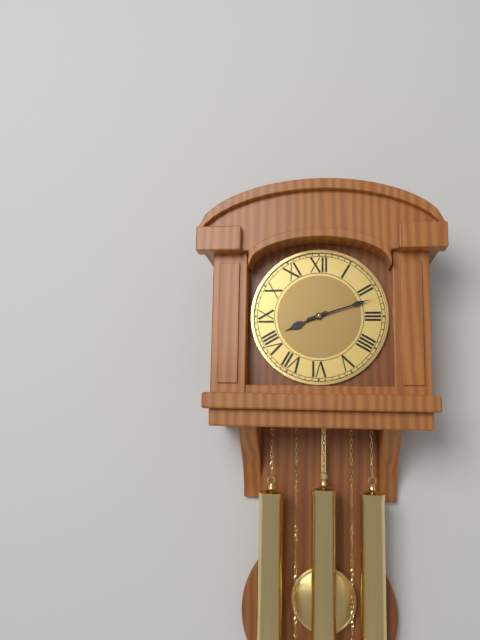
8:12
